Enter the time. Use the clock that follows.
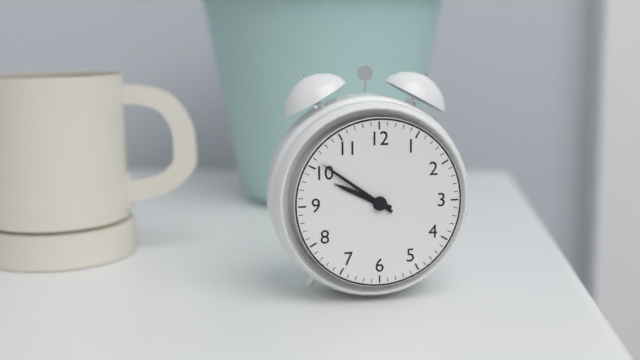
9:51
